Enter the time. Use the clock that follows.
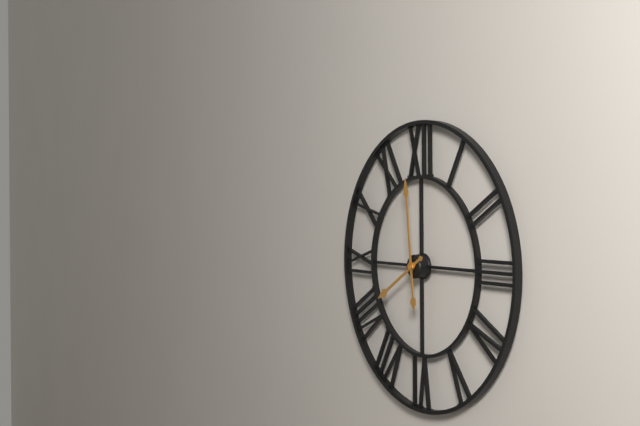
7:59
